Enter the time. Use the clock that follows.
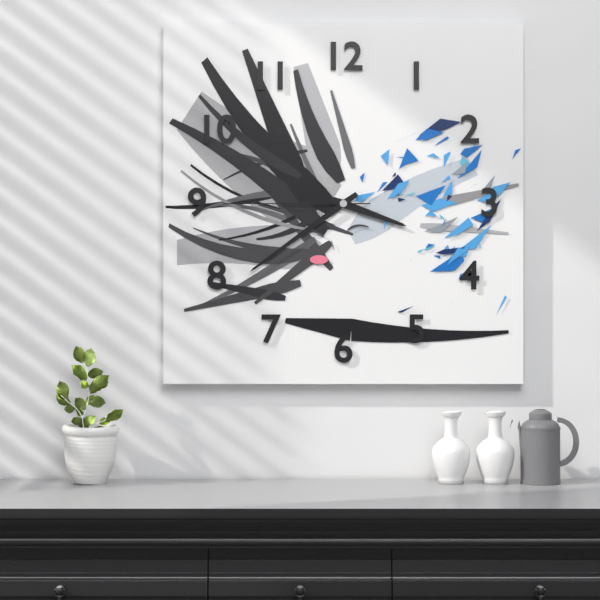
3:39:45
